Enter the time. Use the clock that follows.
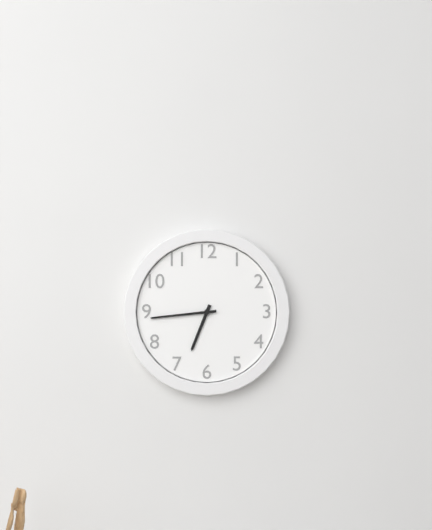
6:44
